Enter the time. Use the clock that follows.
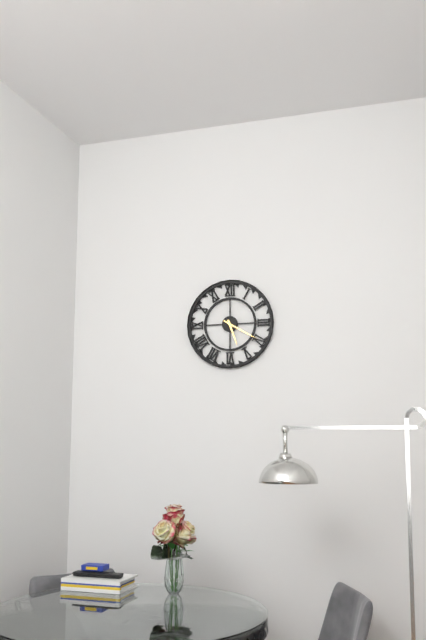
5:20
